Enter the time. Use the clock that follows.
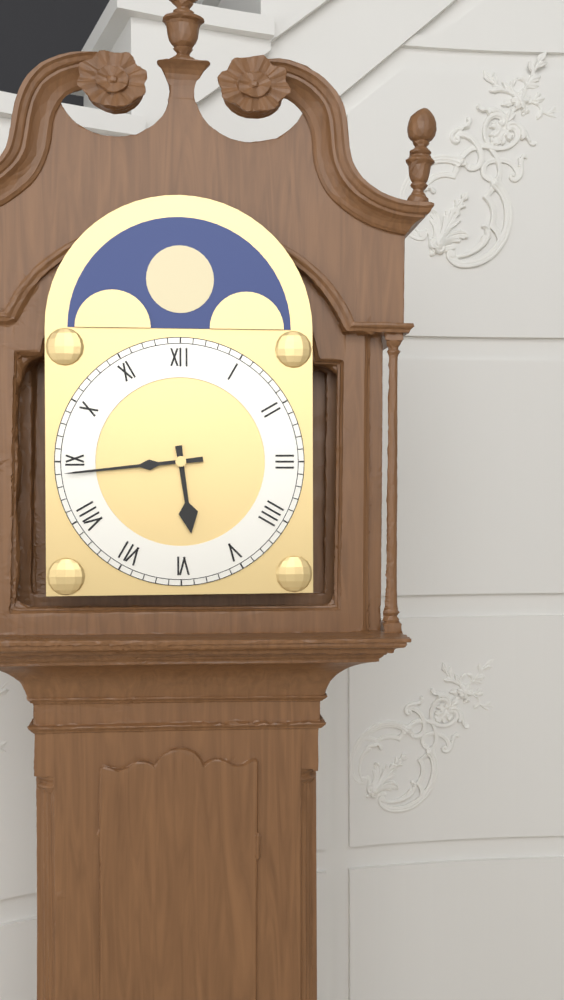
5:44
